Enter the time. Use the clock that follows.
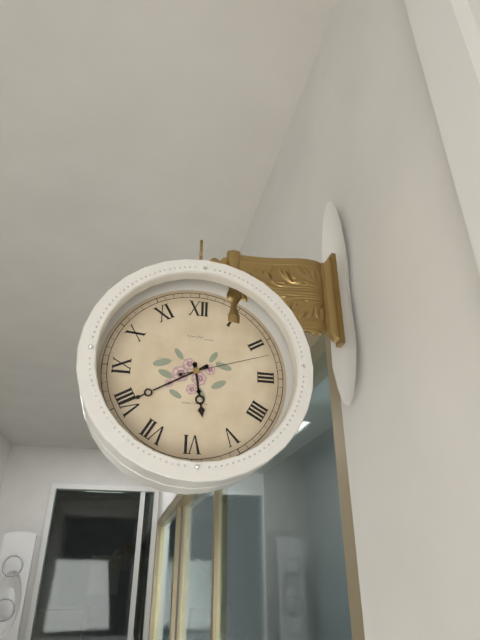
5:40:12
